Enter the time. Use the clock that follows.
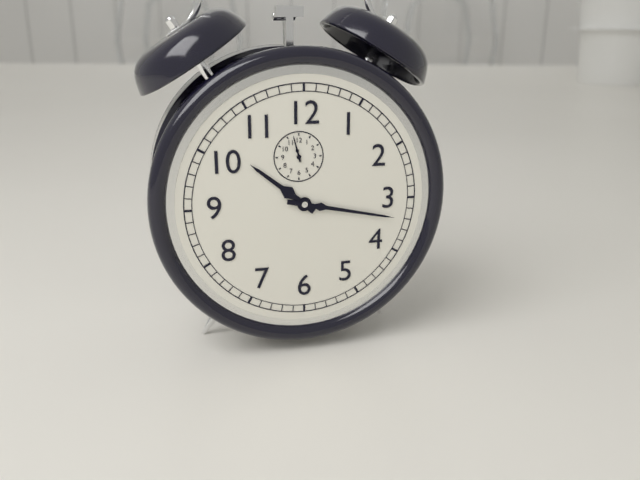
10:17
